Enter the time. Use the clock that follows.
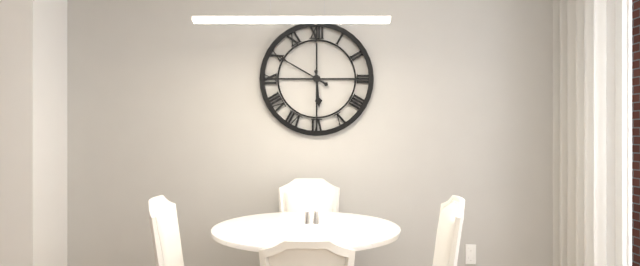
5:50
